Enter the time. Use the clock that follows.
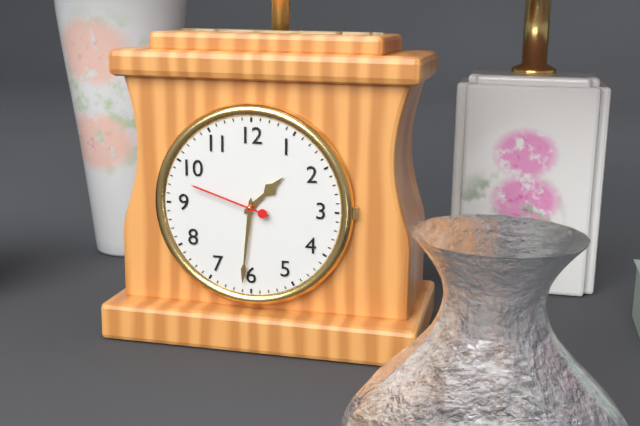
1:31:48
